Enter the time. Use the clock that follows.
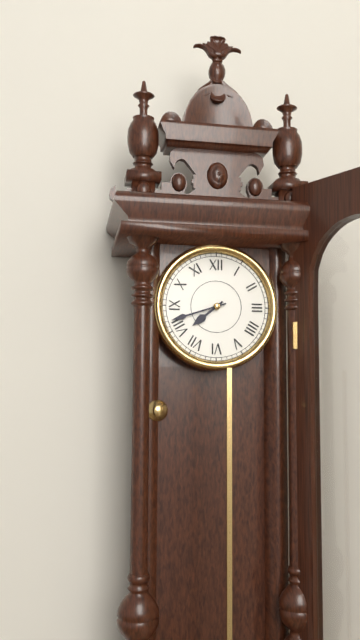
7:42
